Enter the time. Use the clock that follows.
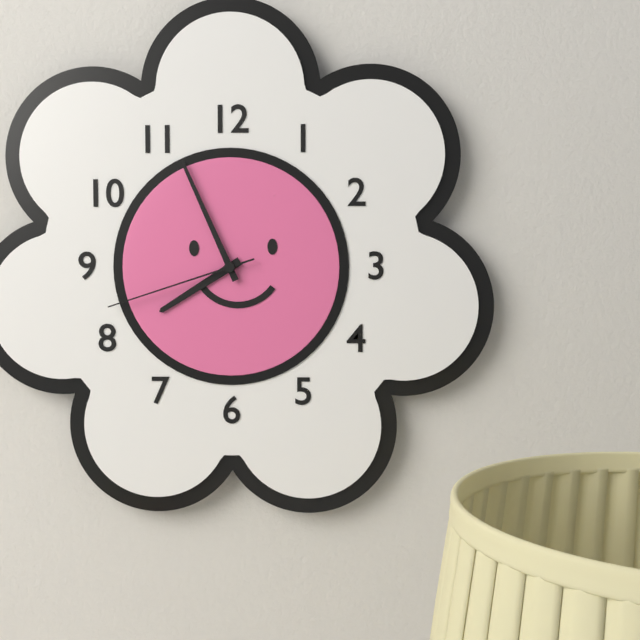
7:56:42
